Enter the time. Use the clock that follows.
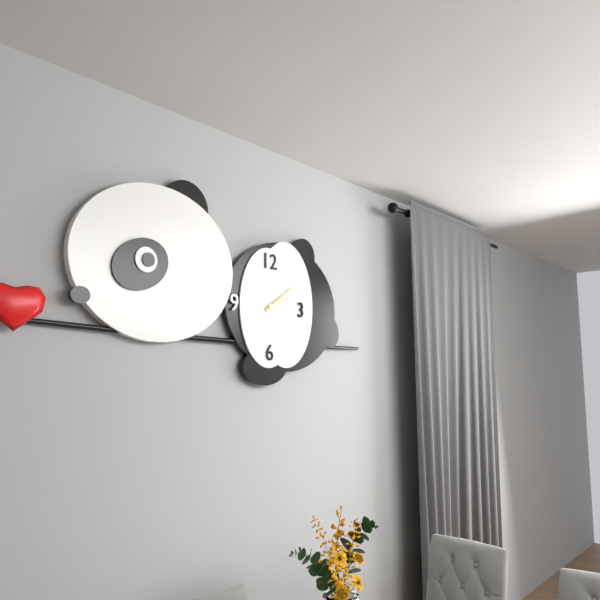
2:09
